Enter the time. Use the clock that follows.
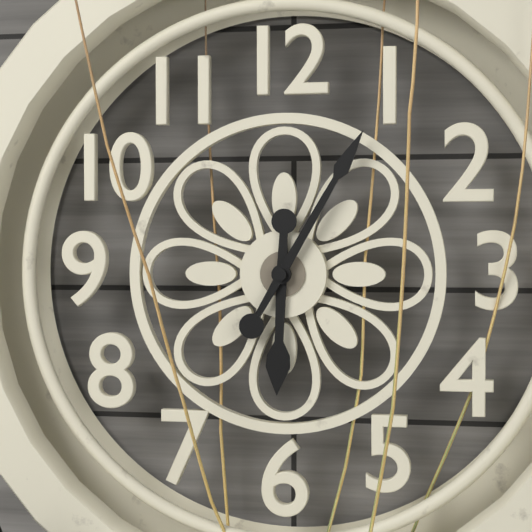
6:05
